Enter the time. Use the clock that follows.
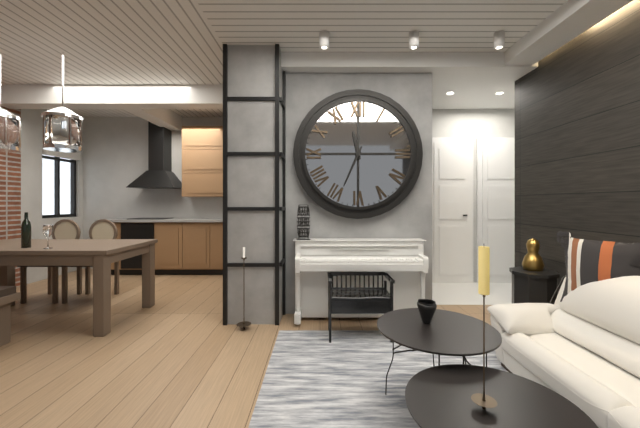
11:34
